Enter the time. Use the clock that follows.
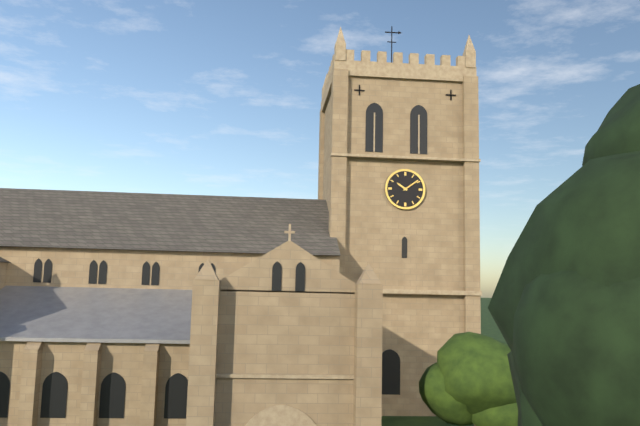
10:09
